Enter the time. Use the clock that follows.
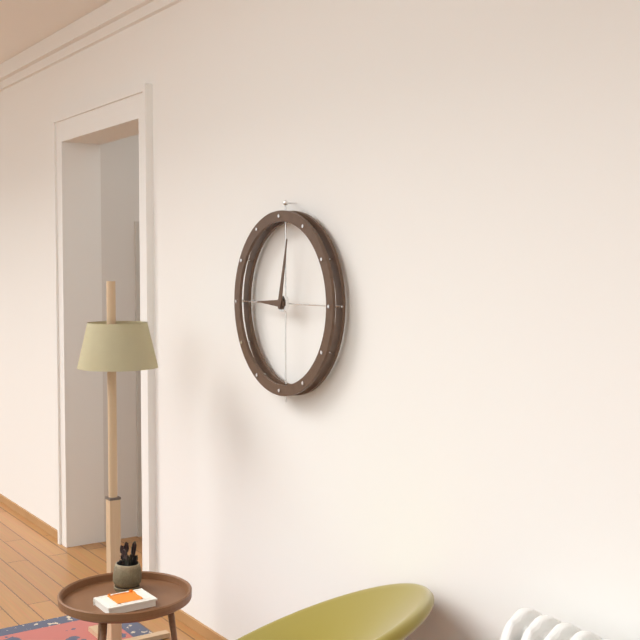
9:02
